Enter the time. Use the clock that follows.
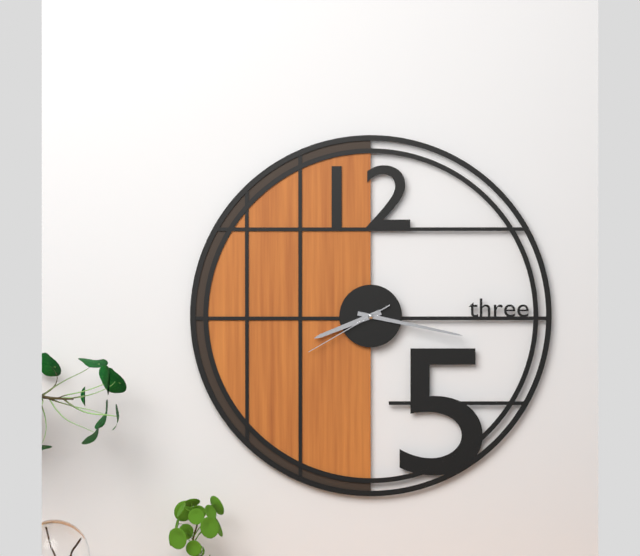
8:17:40
